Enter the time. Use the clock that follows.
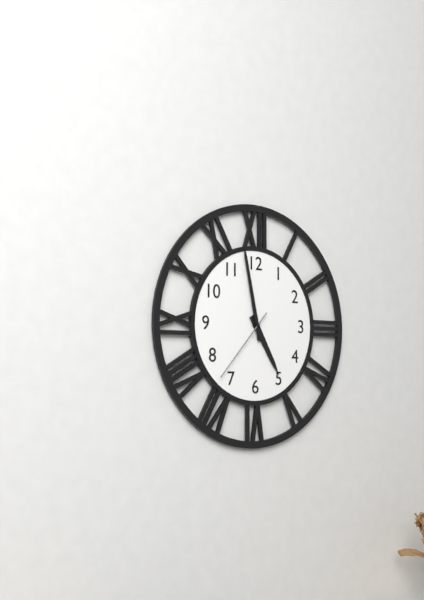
4:58:37
